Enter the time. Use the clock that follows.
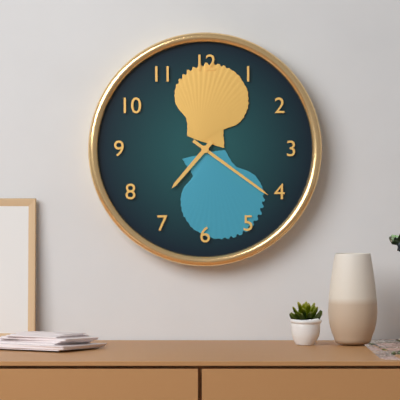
7:21
